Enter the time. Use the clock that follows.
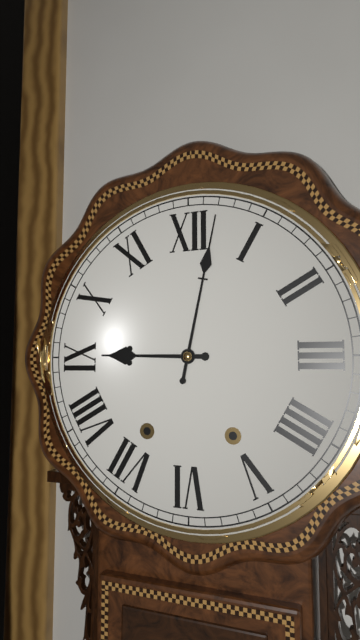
9:02
